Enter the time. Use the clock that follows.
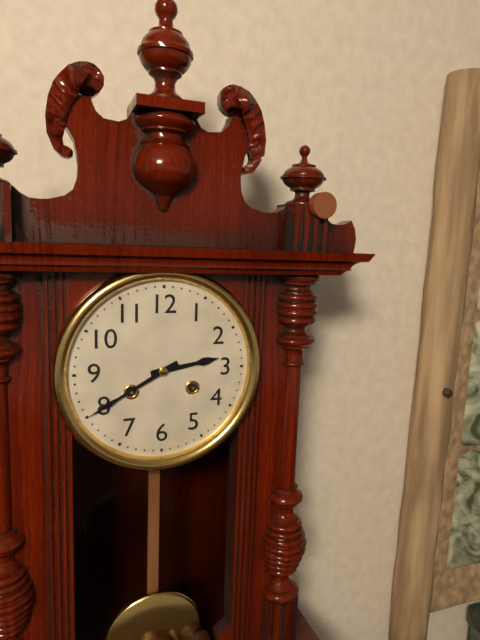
2:40
